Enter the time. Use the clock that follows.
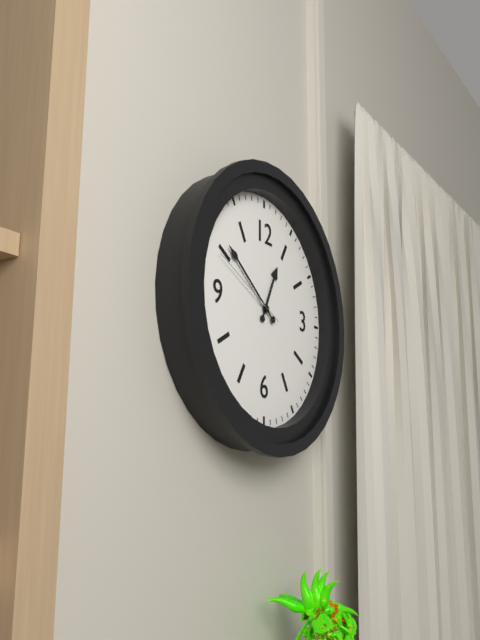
12:51:49
